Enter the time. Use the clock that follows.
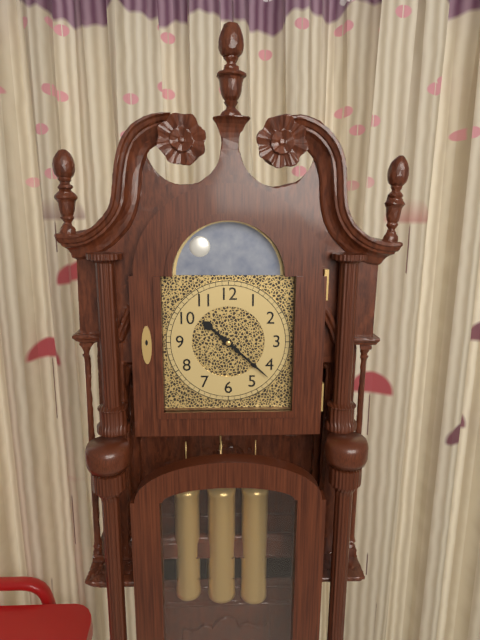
10:22
